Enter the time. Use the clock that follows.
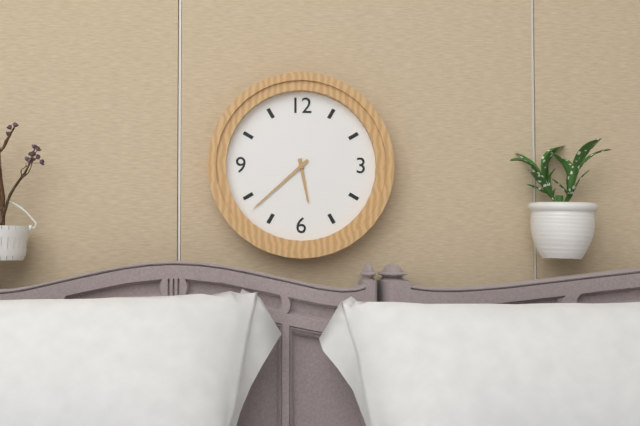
5:38
